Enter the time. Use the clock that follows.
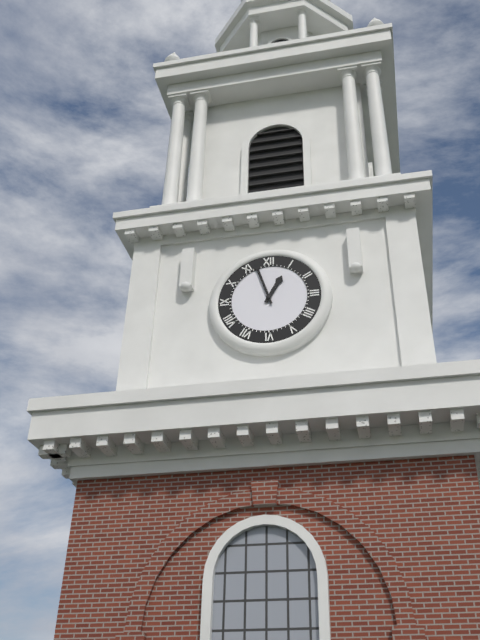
12:57
